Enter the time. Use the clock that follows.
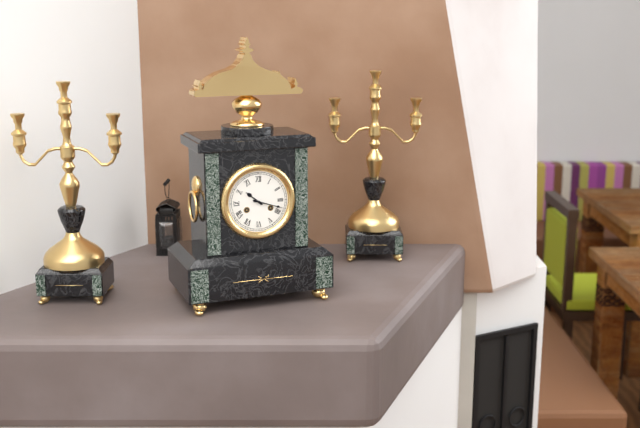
10:18
